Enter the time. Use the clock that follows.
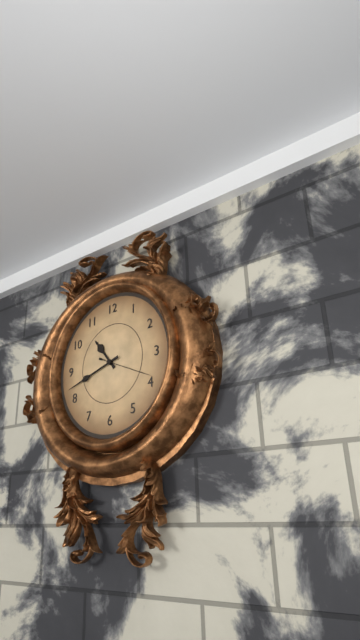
10:42
